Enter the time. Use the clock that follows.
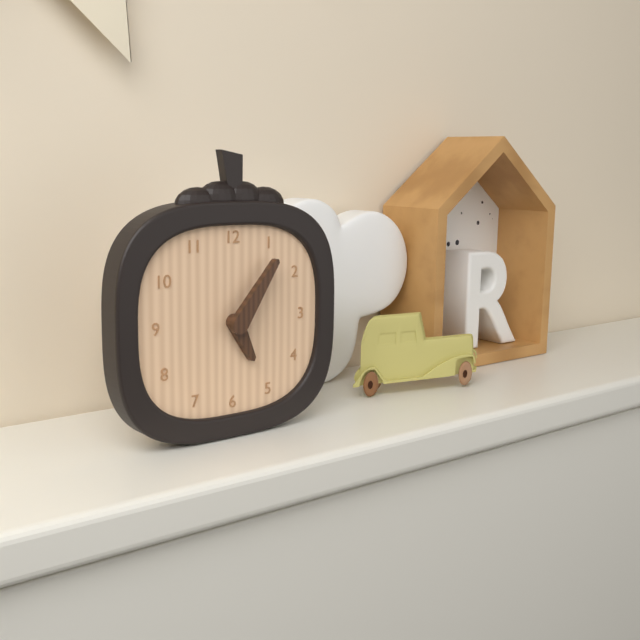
5:06
